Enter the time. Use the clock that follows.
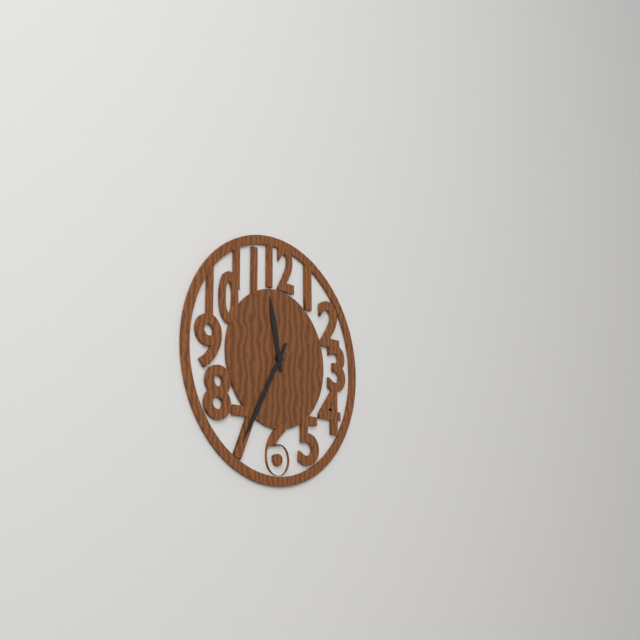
11:35
